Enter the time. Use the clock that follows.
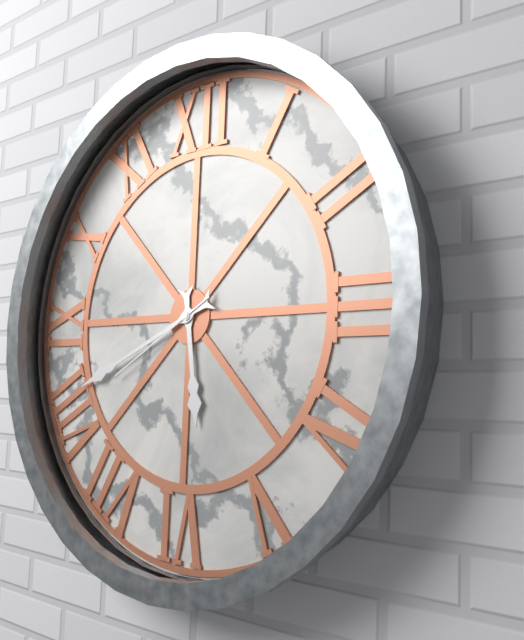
5:41:40
